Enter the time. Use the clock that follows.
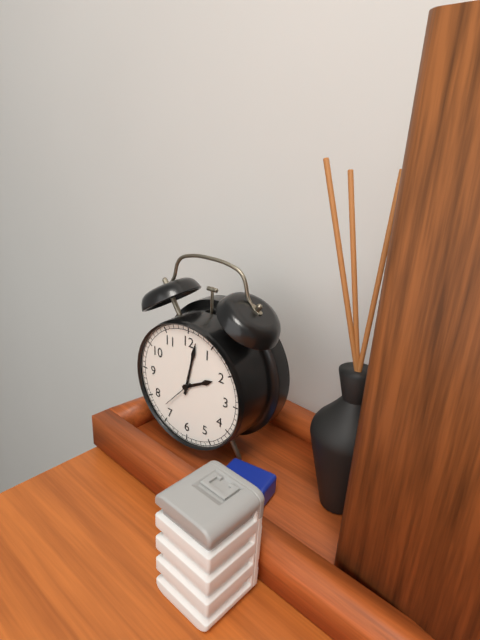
2:02
